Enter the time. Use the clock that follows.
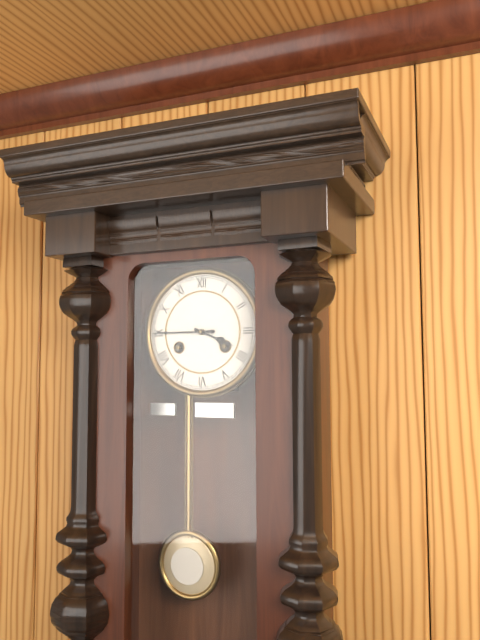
3:45
